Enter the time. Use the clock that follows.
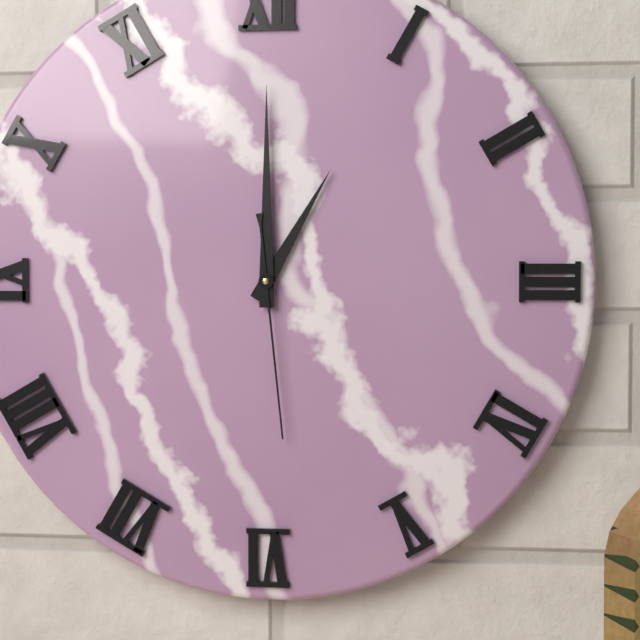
1:00:29
